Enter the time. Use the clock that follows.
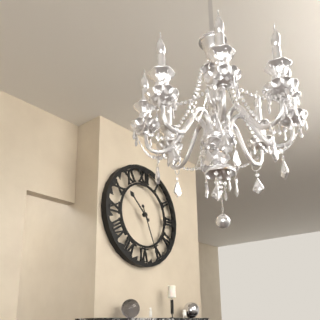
10:26
